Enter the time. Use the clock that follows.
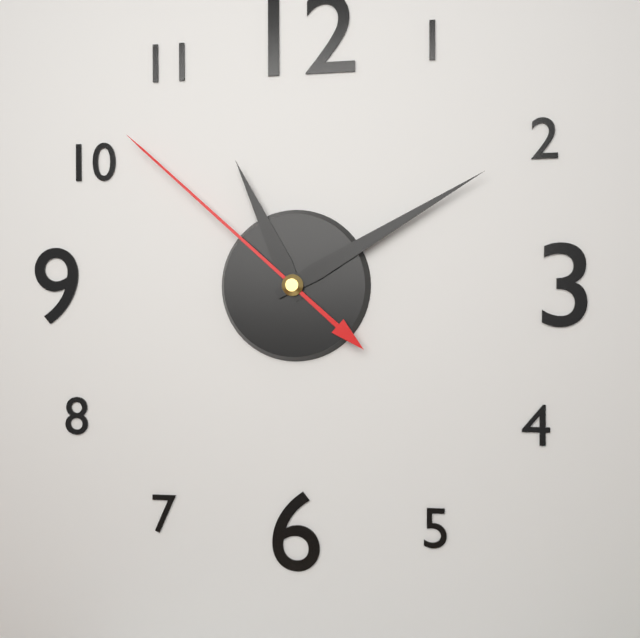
11:10:52
